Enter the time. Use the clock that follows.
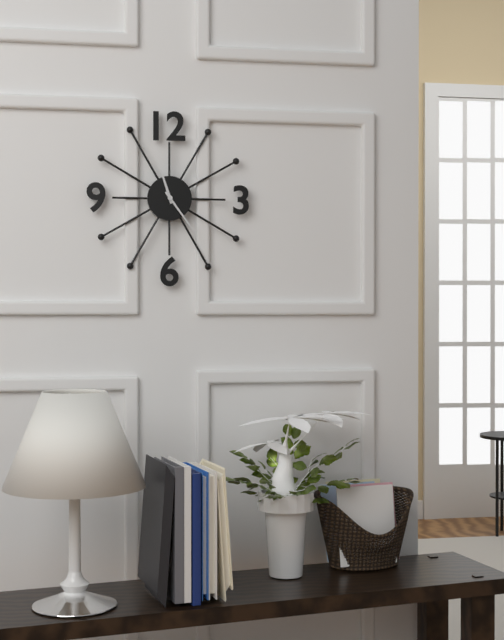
11:24
